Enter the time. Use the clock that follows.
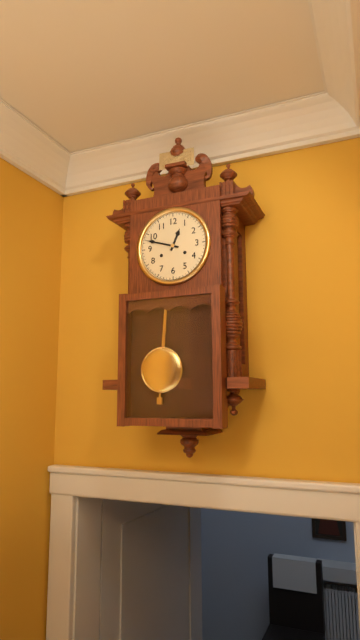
12:48
